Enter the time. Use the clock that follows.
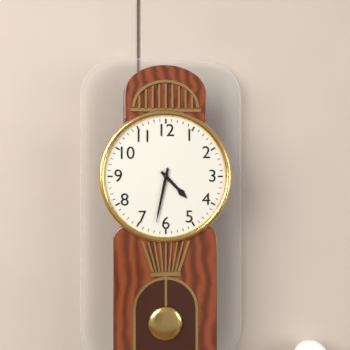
4:32
